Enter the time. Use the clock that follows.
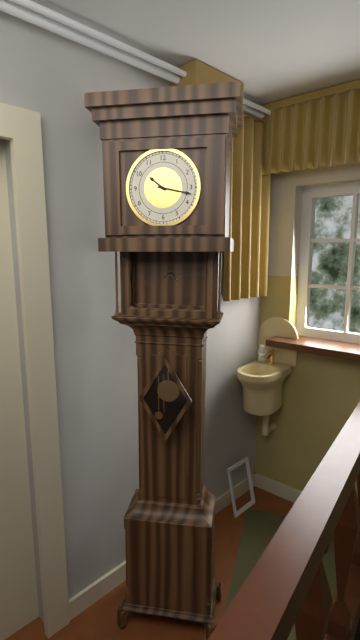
10:17
